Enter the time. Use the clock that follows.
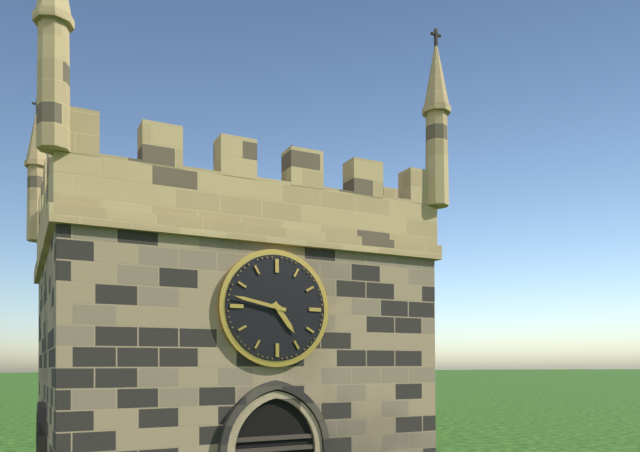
4:47
